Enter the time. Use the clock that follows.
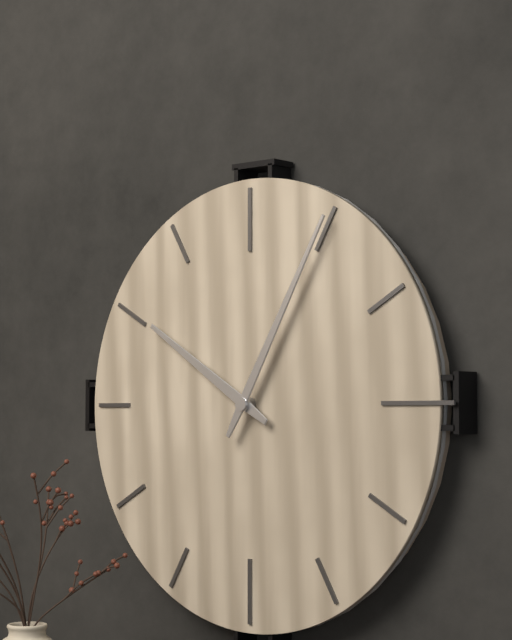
10:05
